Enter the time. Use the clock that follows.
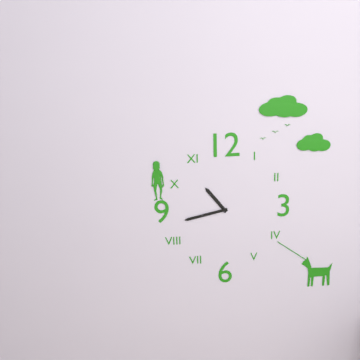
10:43
